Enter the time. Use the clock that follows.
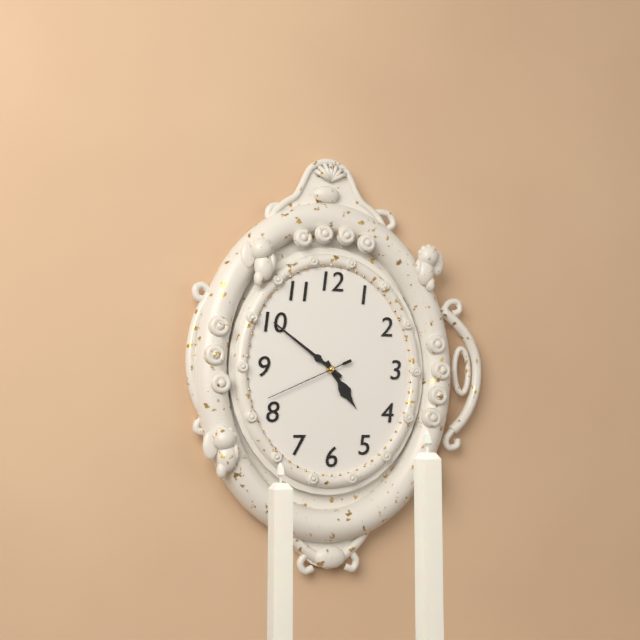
4:51:41
